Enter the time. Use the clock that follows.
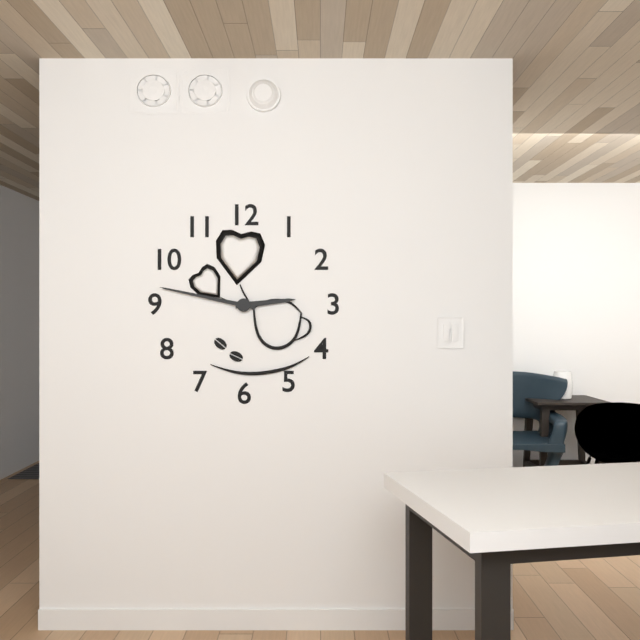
2:47
